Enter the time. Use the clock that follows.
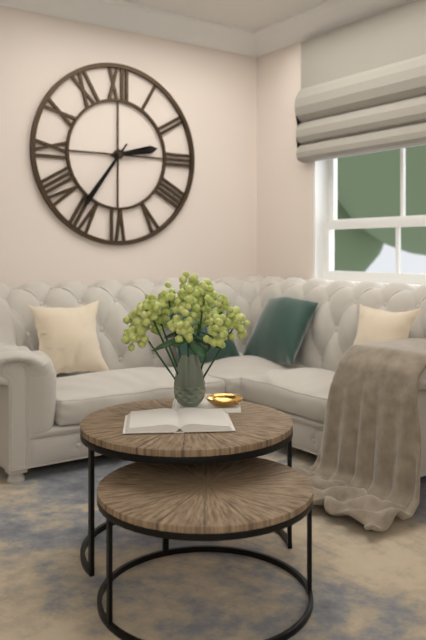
2:36
